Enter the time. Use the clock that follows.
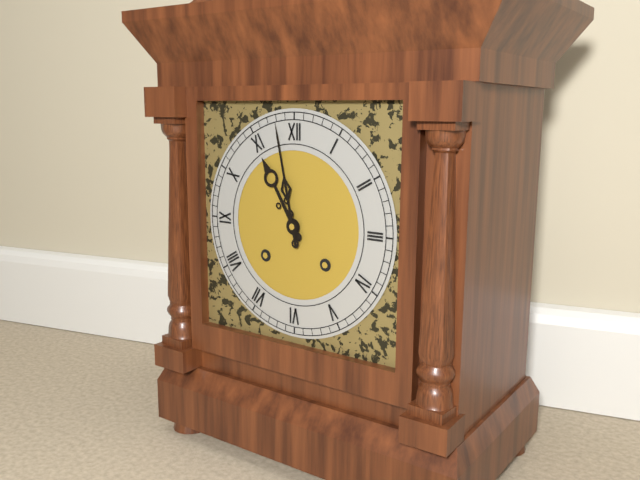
10:58
